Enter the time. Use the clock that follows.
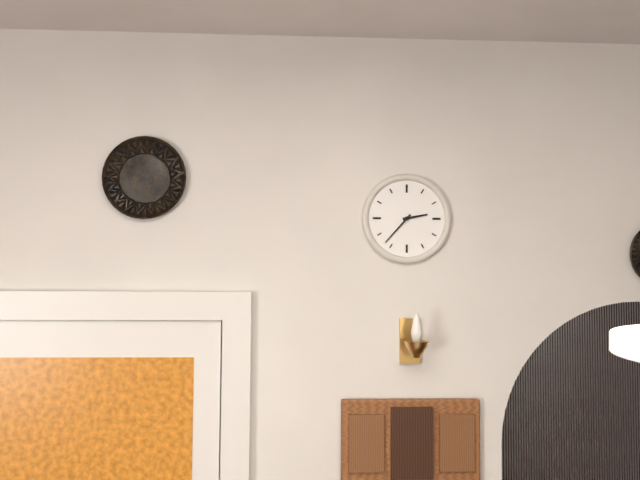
2:37
